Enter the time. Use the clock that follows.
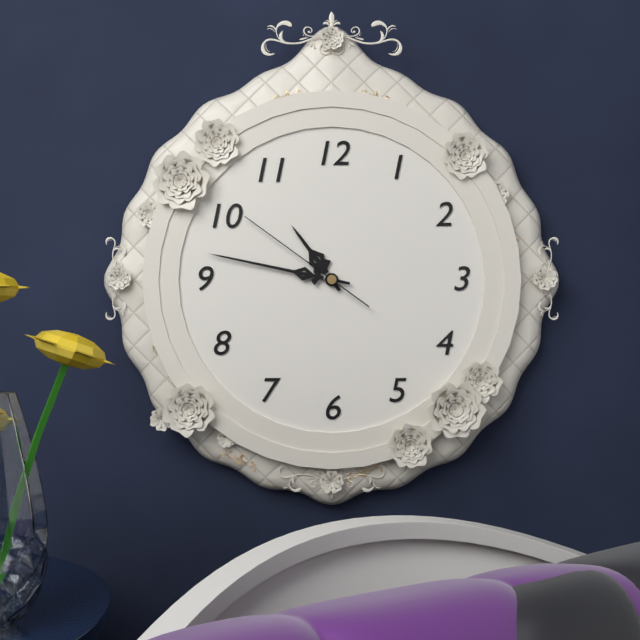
10:47:51
